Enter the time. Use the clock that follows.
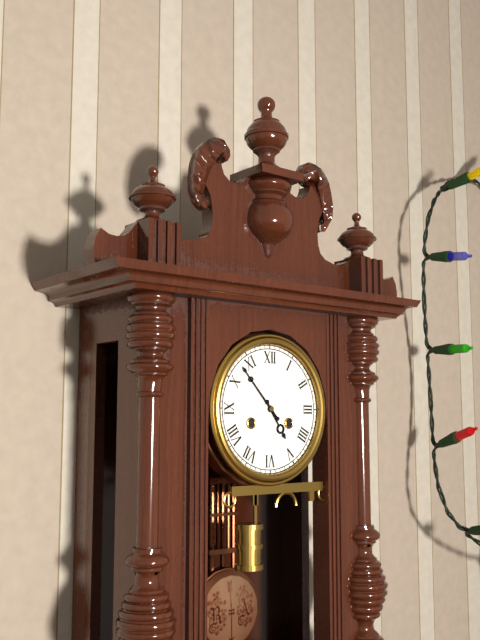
4:53
